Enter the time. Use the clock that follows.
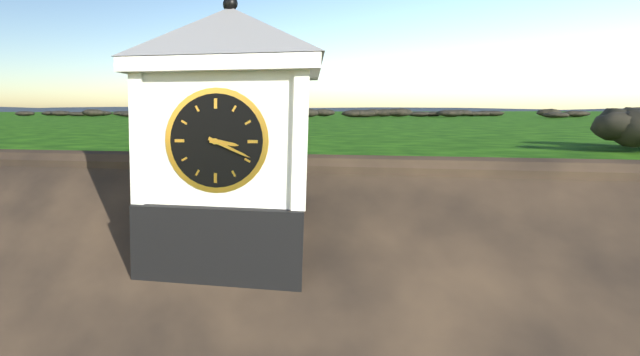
3:19
